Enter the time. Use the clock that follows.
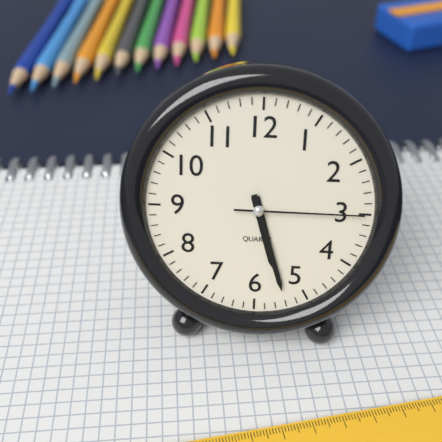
5:27:15
